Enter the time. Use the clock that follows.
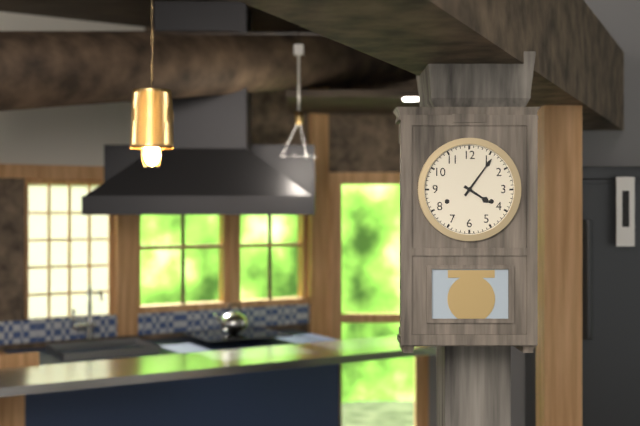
4:06
